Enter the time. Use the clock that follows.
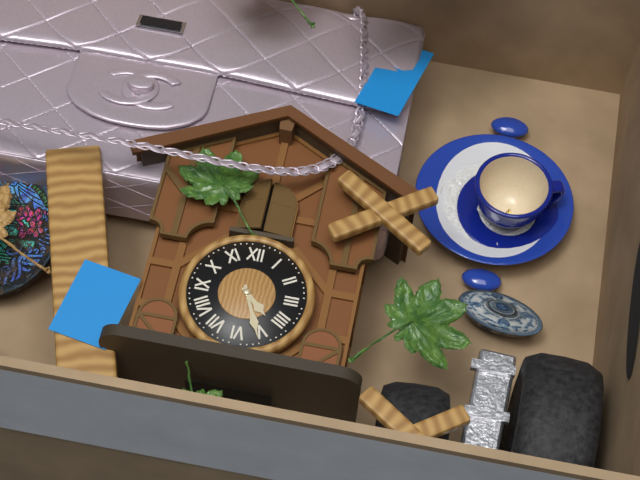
4:26
